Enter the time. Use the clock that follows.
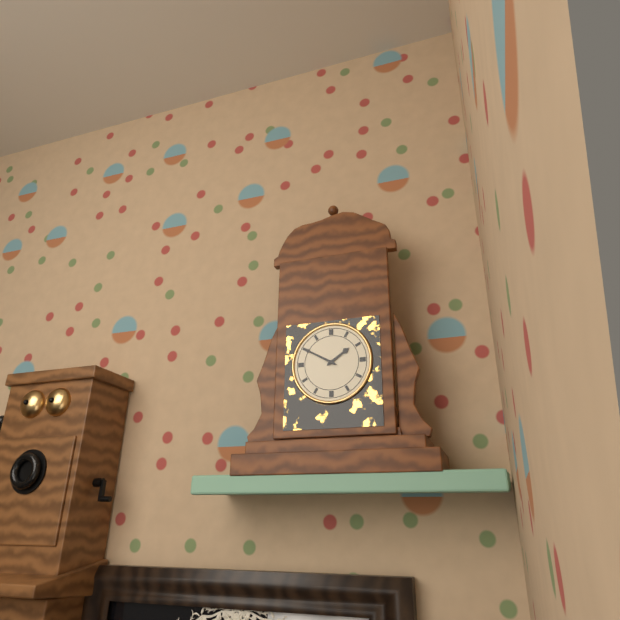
1:50
